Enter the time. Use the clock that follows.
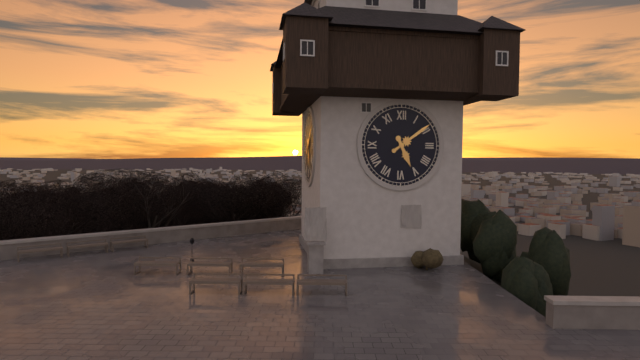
5:09
